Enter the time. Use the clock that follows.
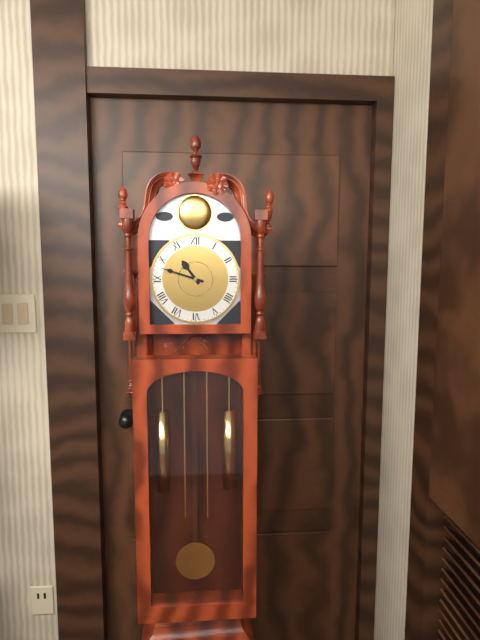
10:48
